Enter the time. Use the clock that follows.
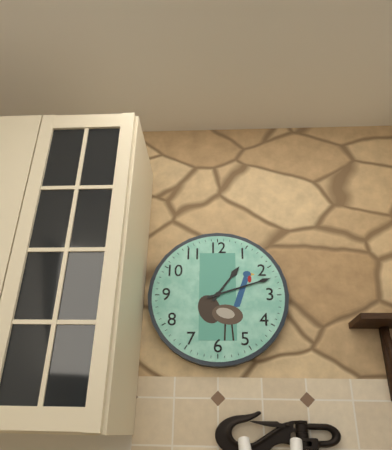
1:12
